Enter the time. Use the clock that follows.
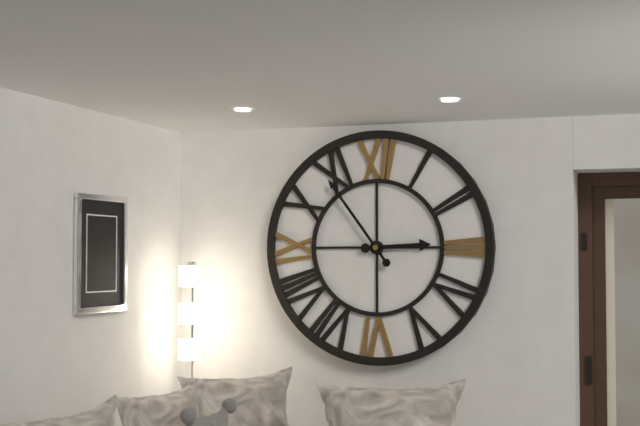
2:54
